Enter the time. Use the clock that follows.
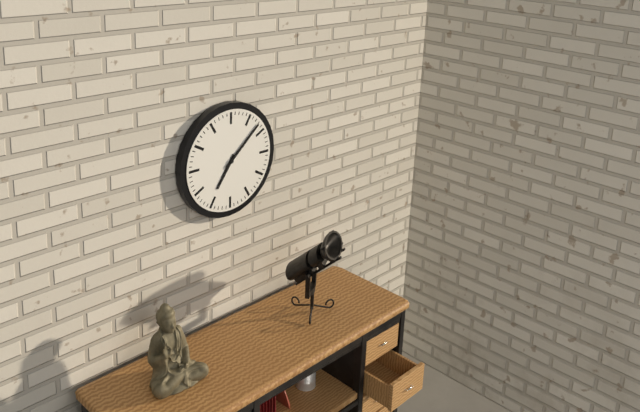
7:08
